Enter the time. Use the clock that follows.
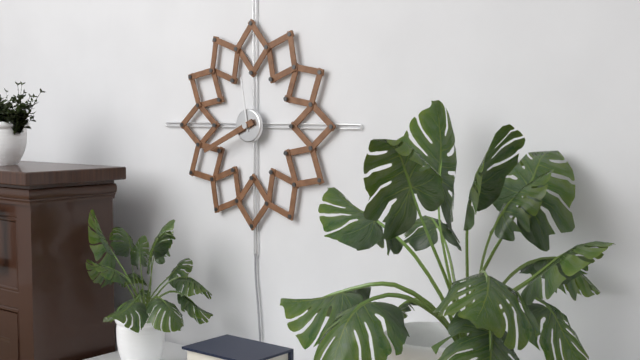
11:41
